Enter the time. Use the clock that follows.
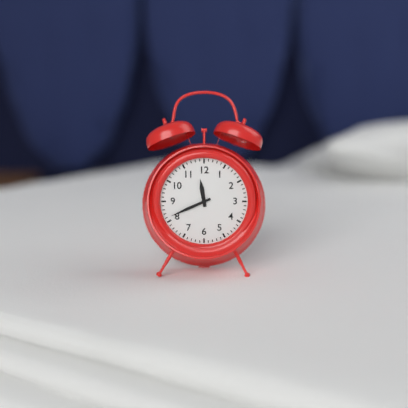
11:41
